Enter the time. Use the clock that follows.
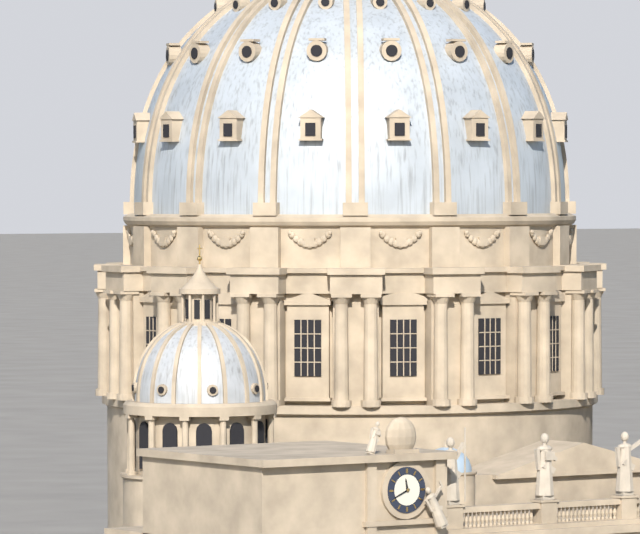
11:41
